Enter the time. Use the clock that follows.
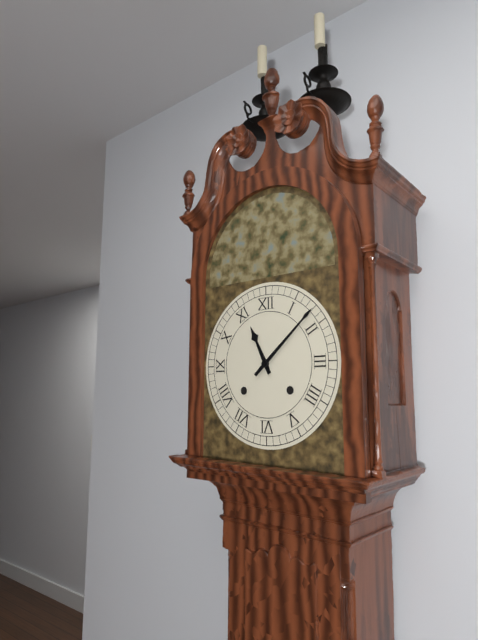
11:08
